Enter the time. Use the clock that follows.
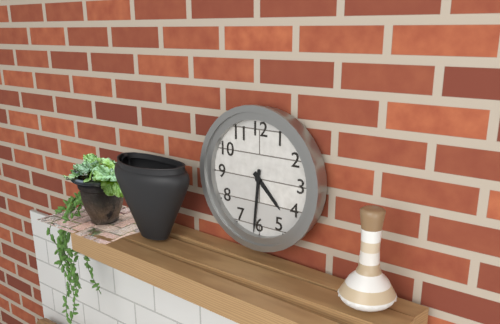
4:31
